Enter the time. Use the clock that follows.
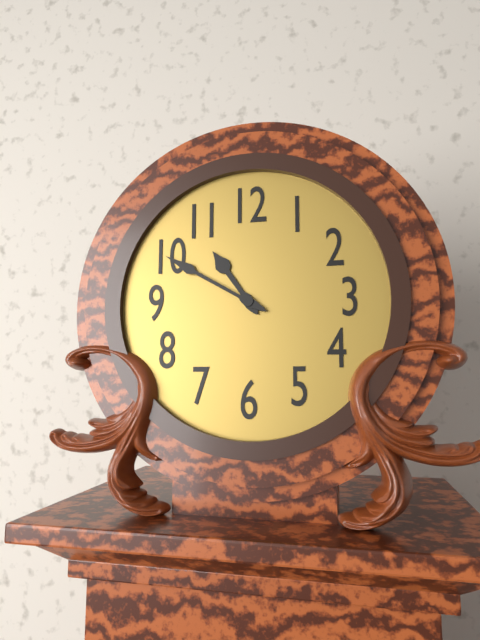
10:50
